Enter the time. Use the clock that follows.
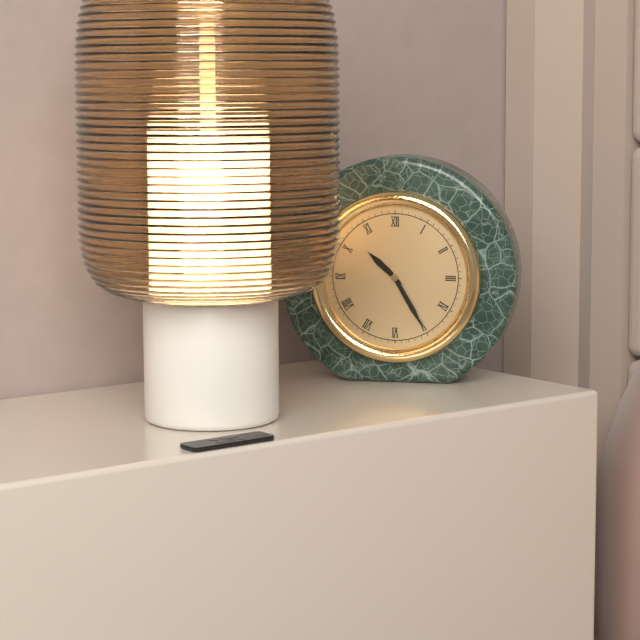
10:25
